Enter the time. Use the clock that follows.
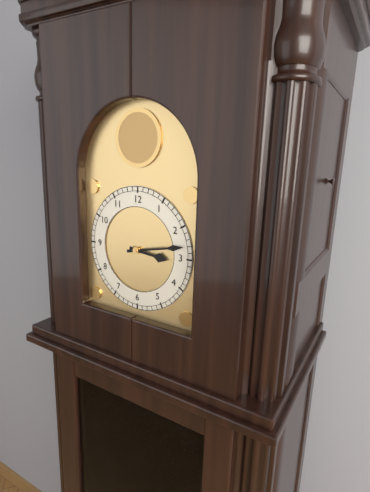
3:13
